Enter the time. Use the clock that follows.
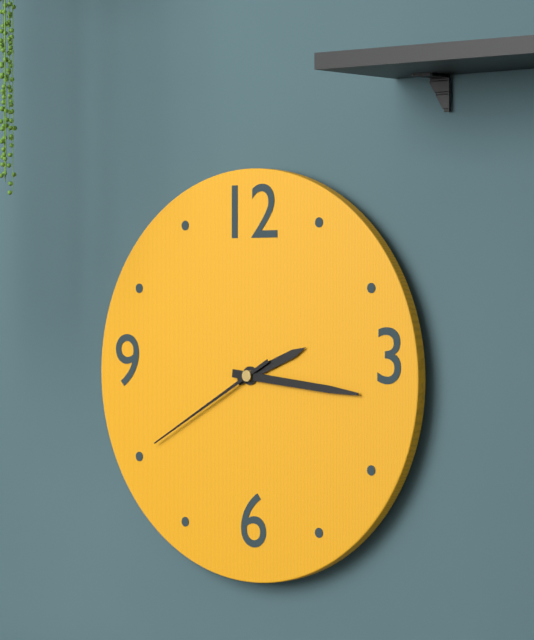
2:16:40
